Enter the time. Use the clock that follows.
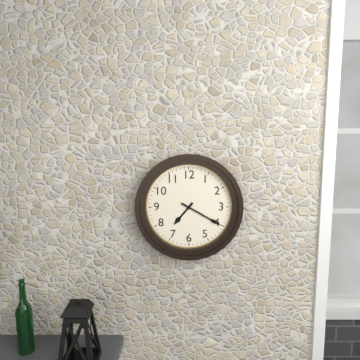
7:20
